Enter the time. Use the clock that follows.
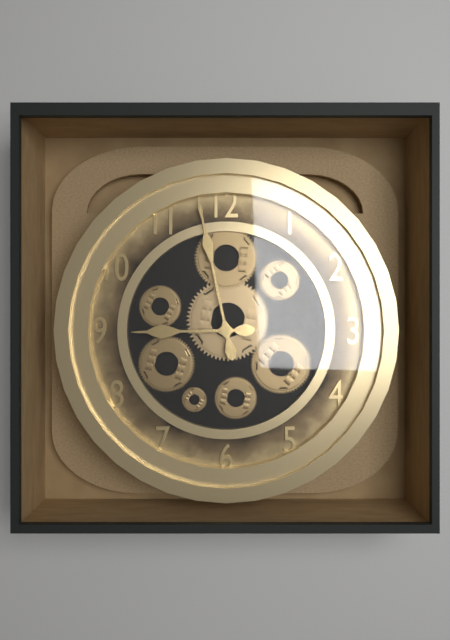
8:58
